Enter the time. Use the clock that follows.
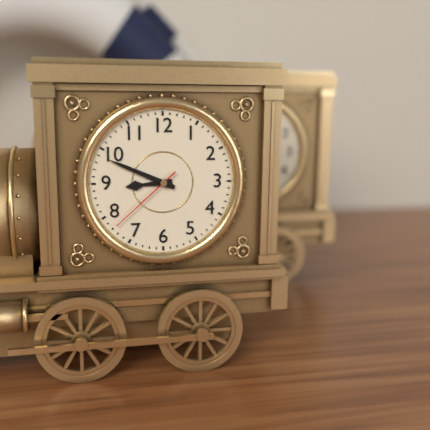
8:49:38
